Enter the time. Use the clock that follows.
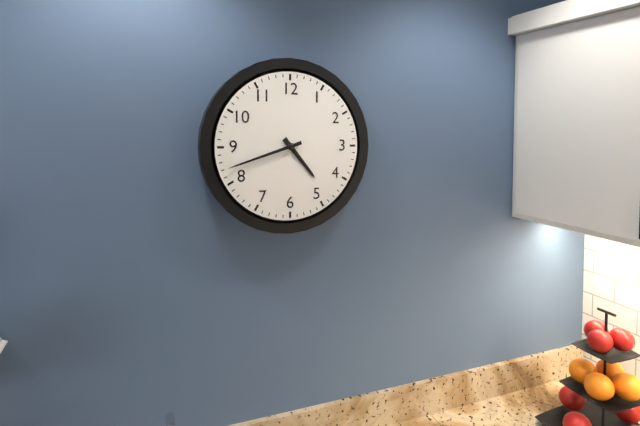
4:42
